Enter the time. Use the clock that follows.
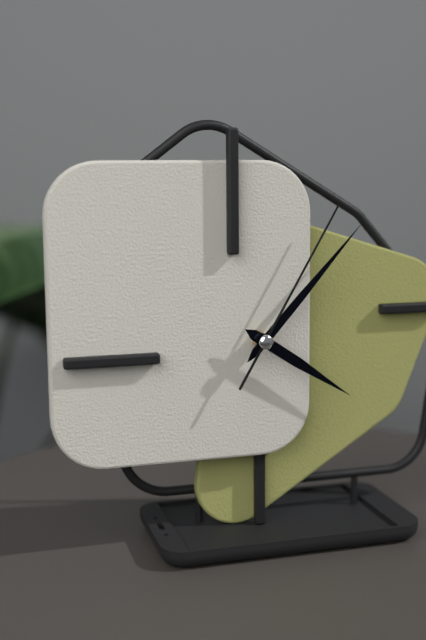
4:07:05
